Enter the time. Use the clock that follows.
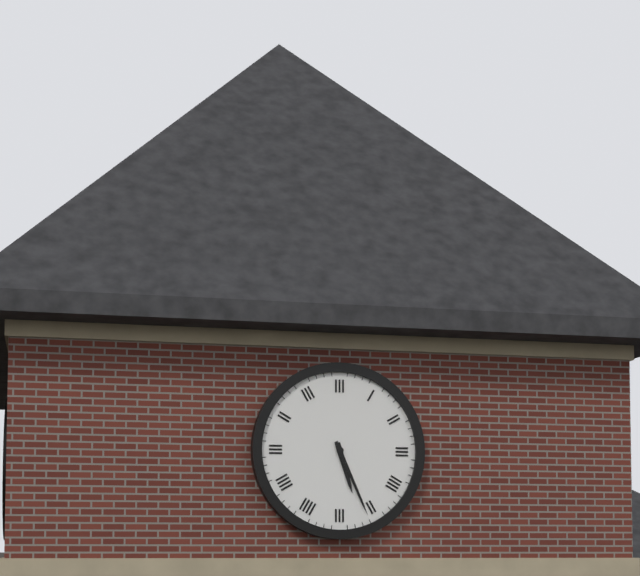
5:26
